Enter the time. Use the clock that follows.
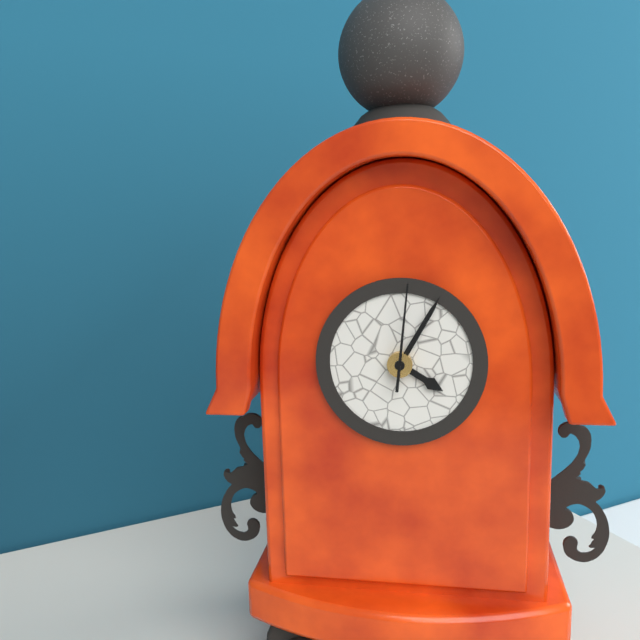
4:05:01
